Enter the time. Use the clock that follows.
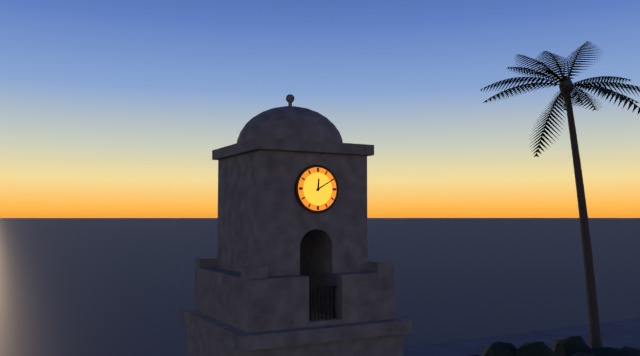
12:10
